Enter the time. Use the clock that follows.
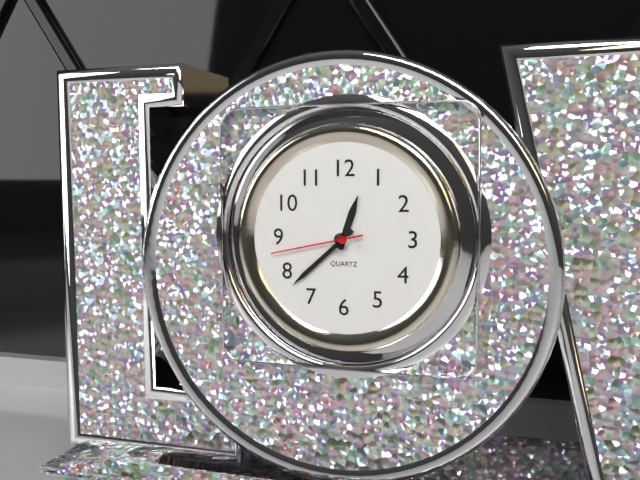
12:38:43
